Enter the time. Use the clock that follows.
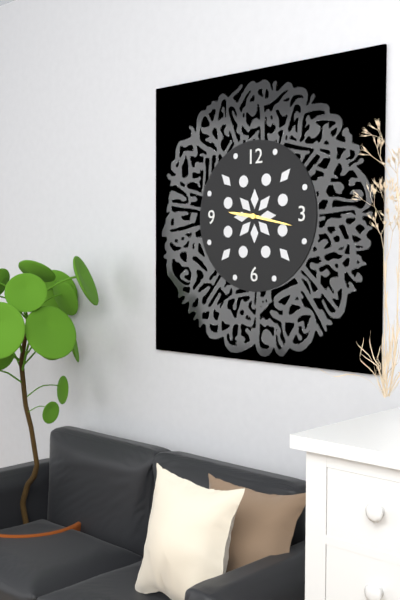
9:17
